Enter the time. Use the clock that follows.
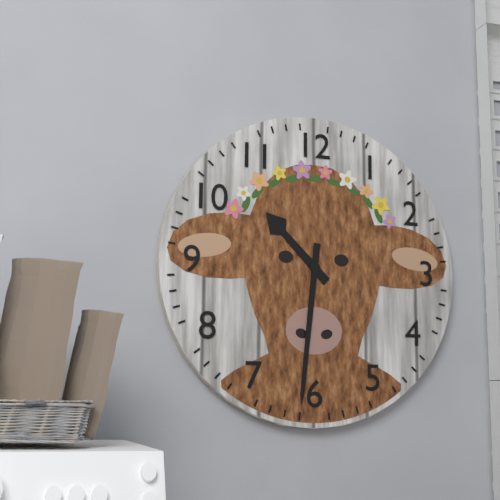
10:31
